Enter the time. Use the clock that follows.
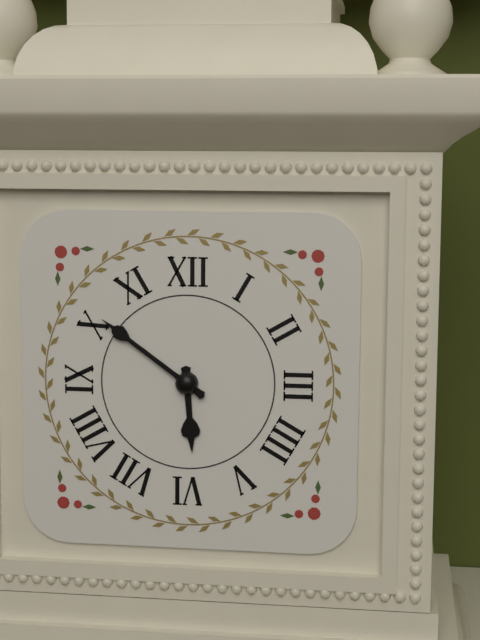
5:51
